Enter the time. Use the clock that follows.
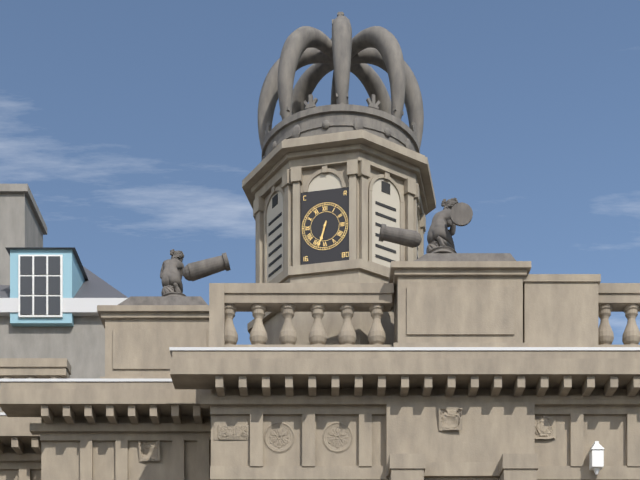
6:33
